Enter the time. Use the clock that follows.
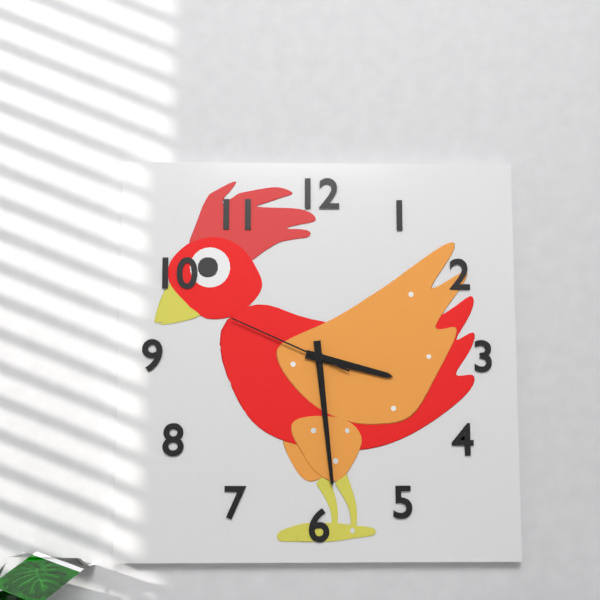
3:29:49
